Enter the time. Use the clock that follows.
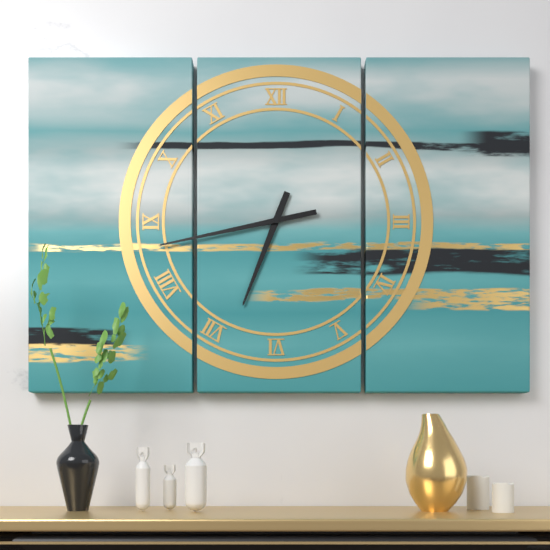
6:43
